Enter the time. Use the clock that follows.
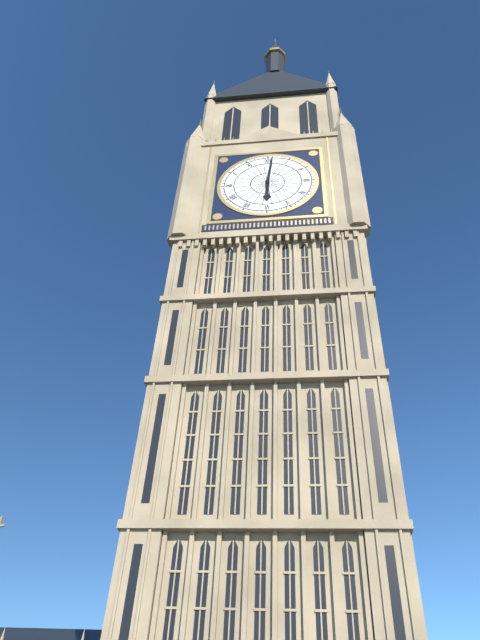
6:01
